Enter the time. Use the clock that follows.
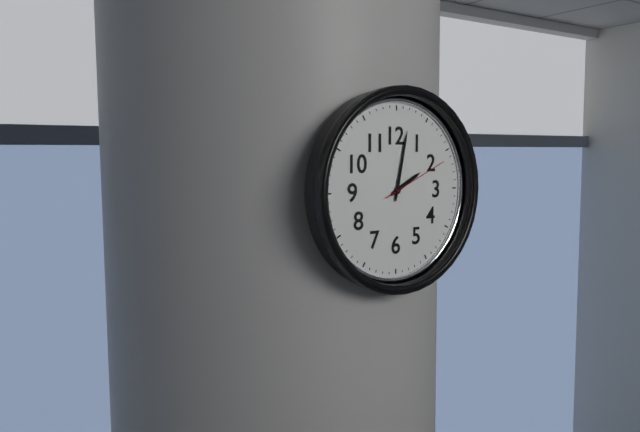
2:02:11
